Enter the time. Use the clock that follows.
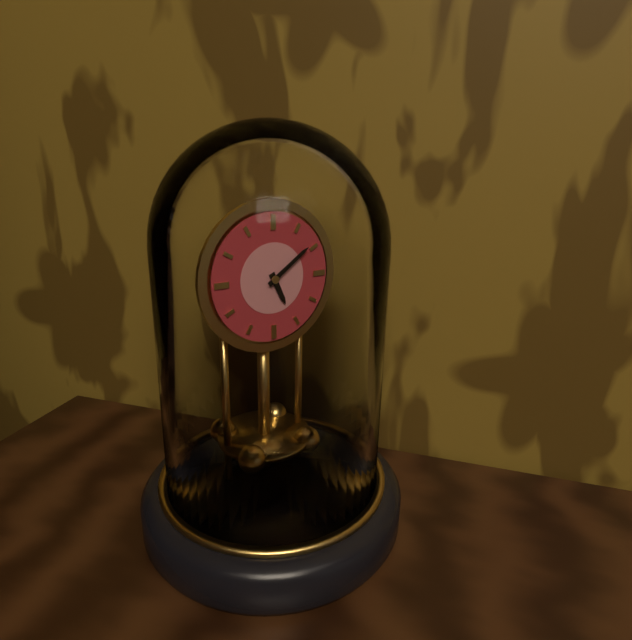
5:09
